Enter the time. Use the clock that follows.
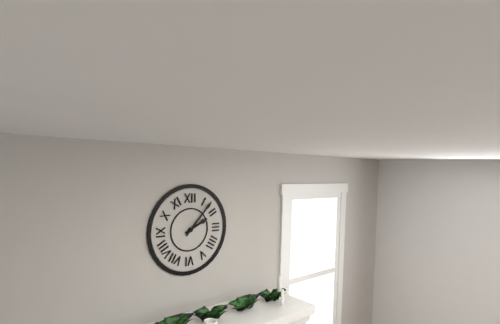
2:07
